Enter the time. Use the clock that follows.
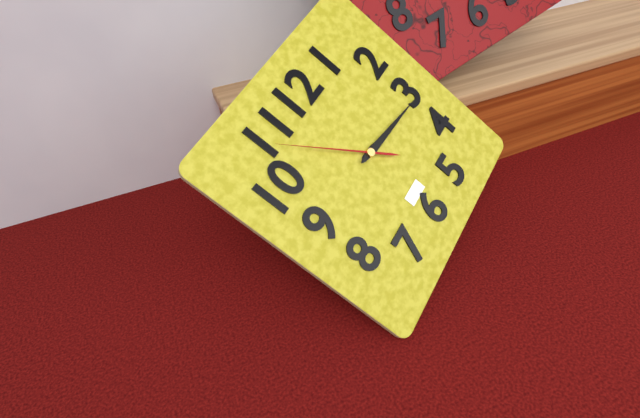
3:16:54
